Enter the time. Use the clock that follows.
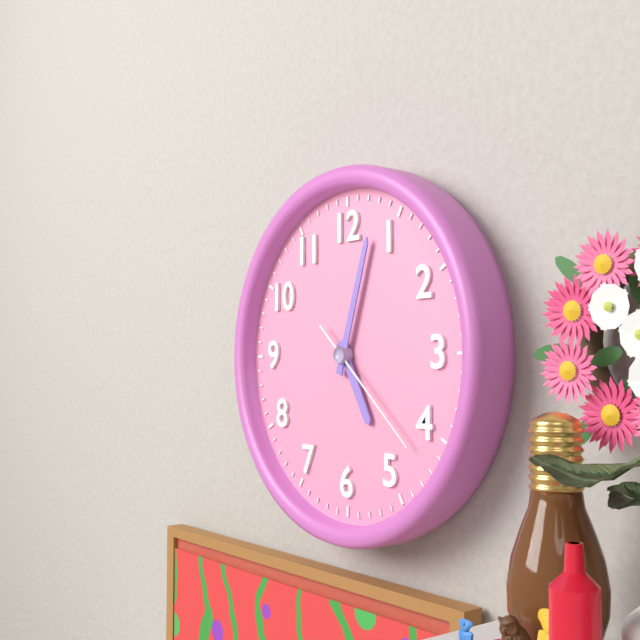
5:03:22
